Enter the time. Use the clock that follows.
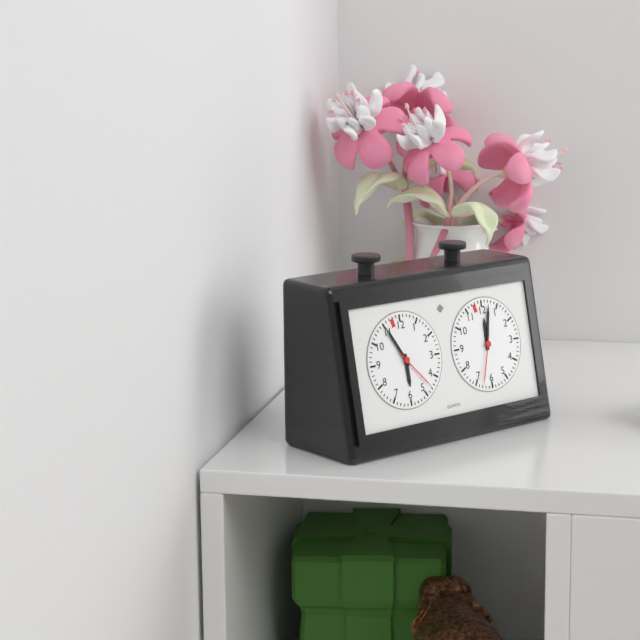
5:55
